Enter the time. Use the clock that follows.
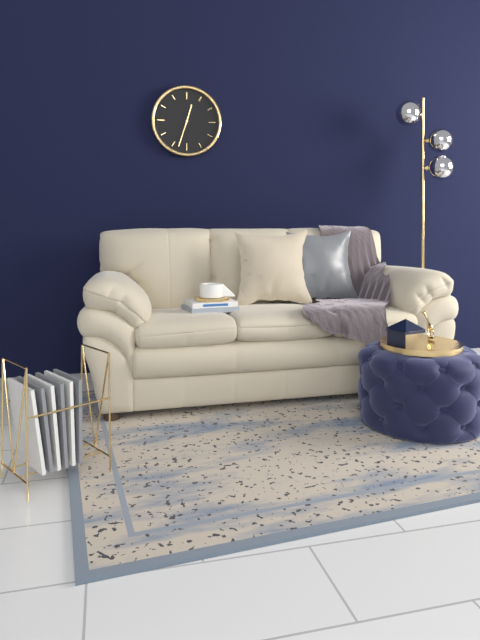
12:33
